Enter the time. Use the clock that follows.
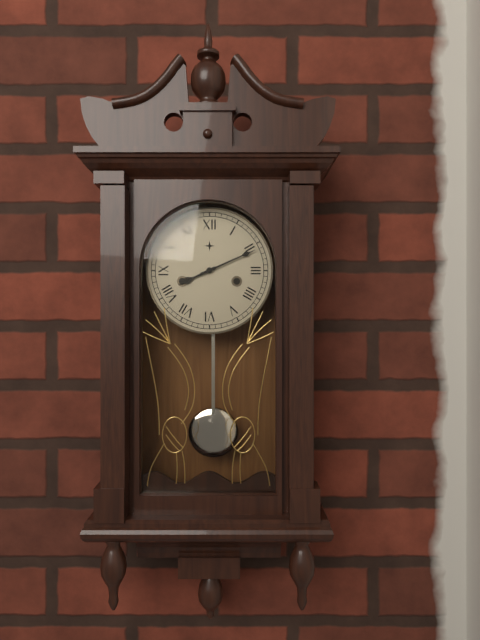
8:11
